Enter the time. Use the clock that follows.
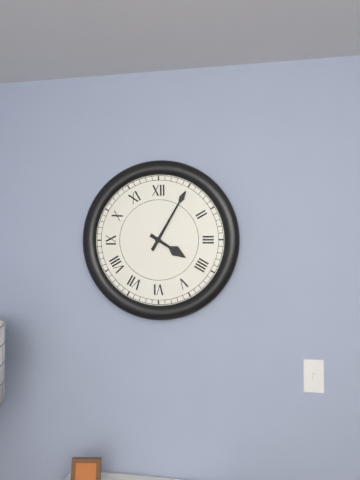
4:05
